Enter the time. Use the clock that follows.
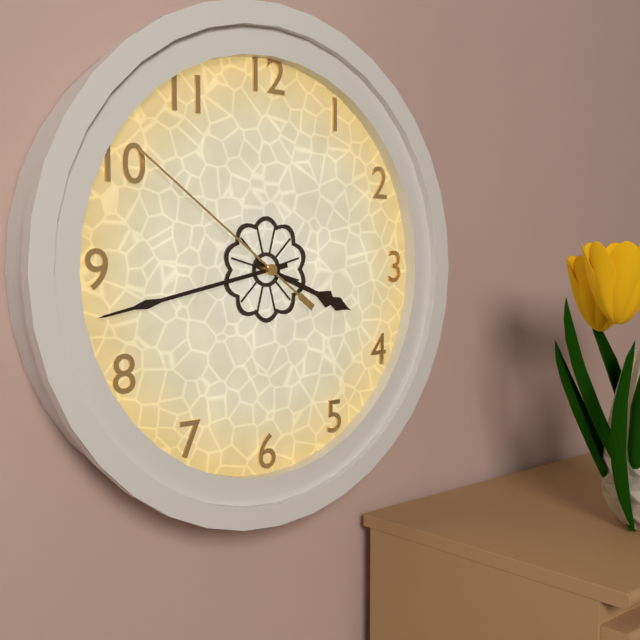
3:43:51
